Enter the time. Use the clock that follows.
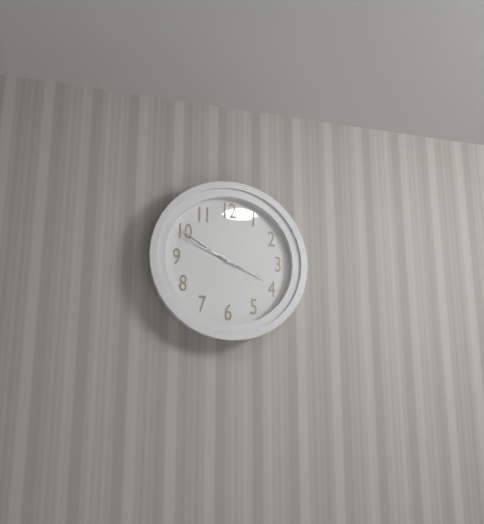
3:50:49
